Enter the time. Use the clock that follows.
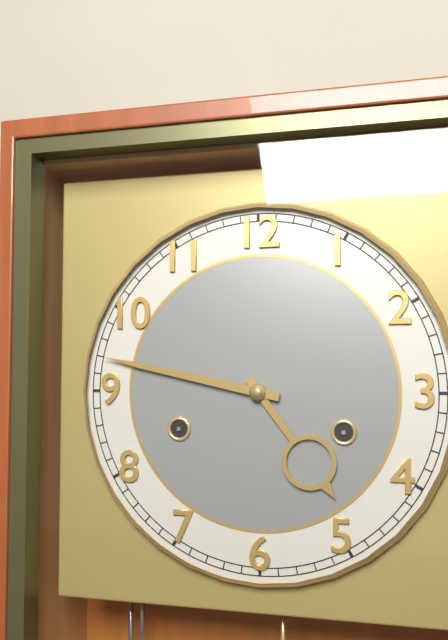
4:47
